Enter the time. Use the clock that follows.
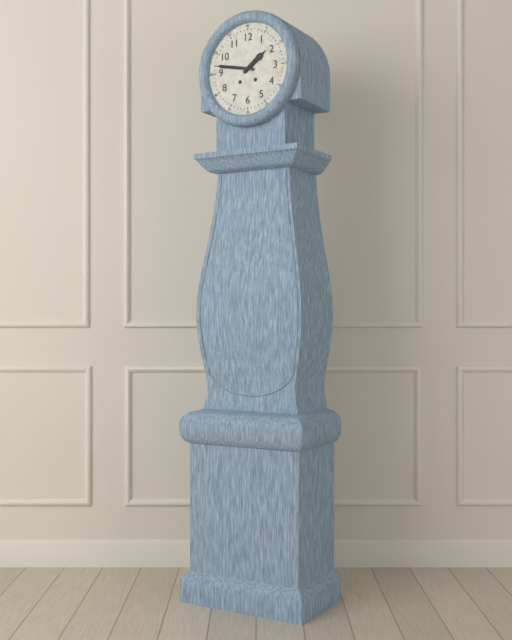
1:47
